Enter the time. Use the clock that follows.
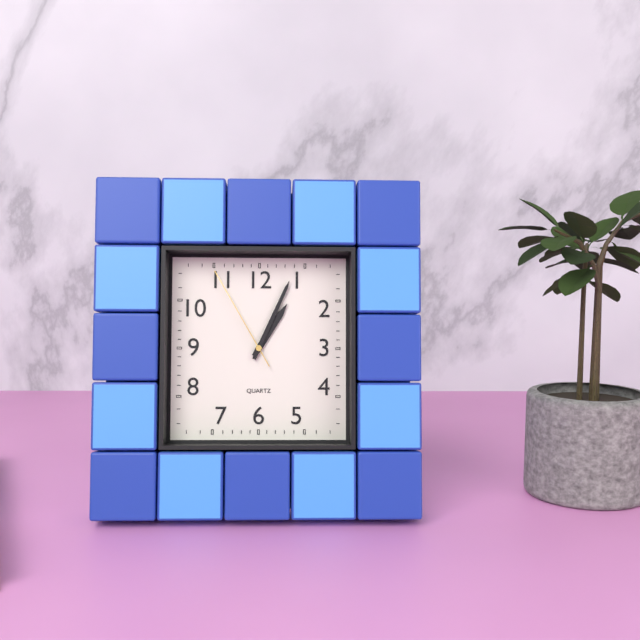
1:04:55
